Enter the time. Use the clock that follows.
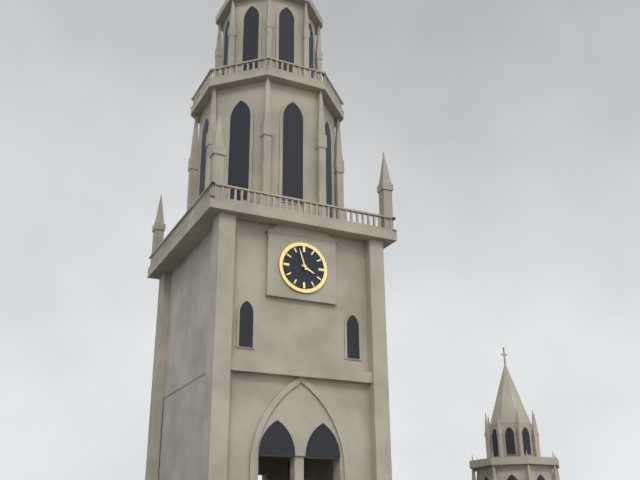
3:57
